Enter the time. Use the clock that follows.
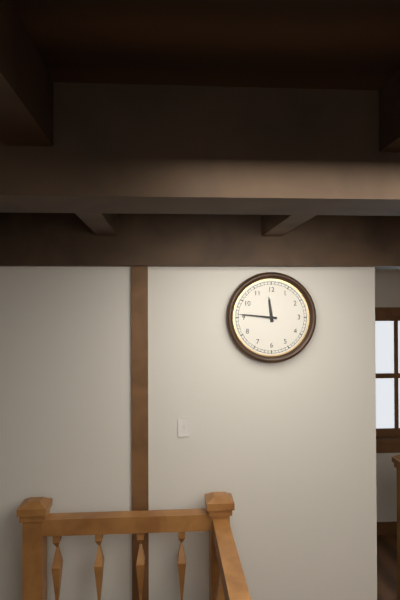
11:46
